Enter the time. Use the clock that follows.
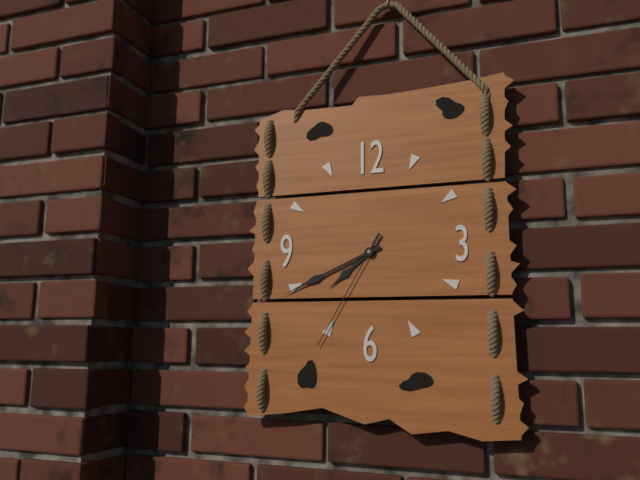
7:41:35
